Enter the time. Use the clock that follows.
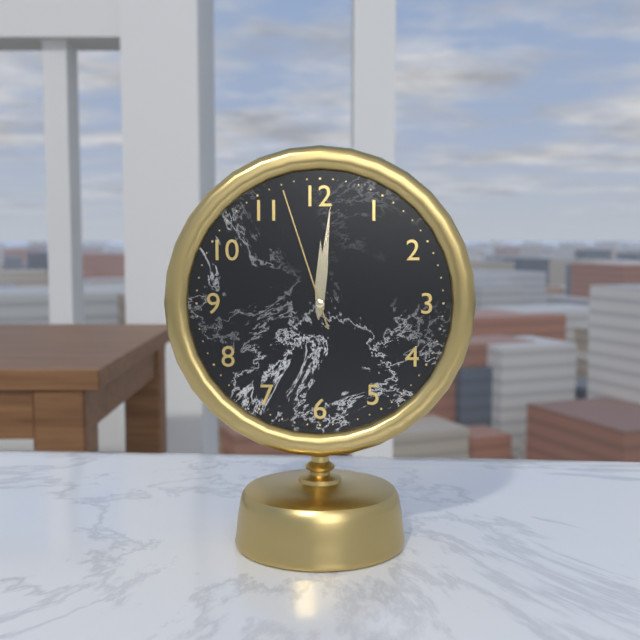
12:01:57
